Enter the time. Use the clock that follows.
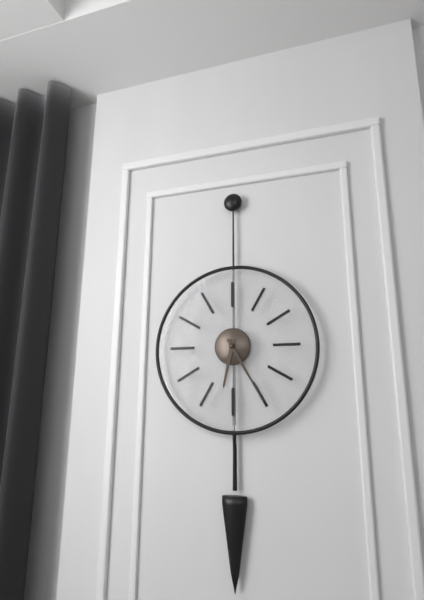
6:25
